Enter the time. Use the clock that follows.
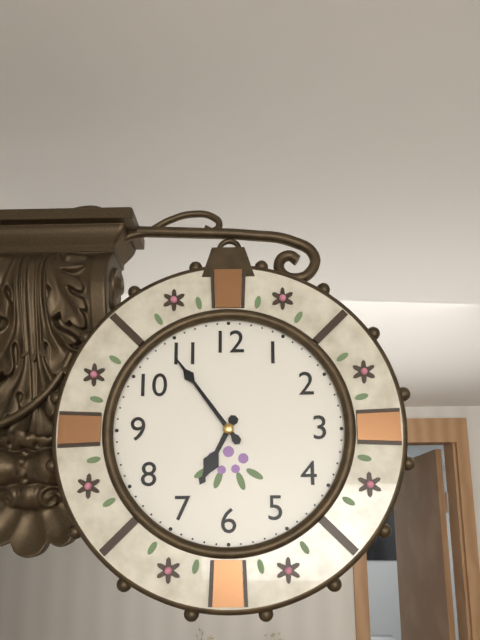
6:54
